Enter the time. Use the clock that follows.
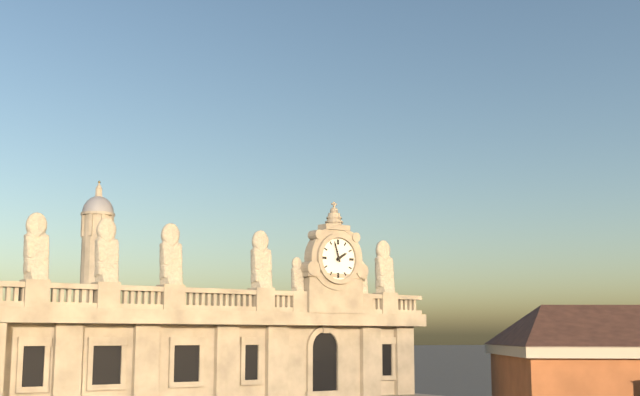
1:57
